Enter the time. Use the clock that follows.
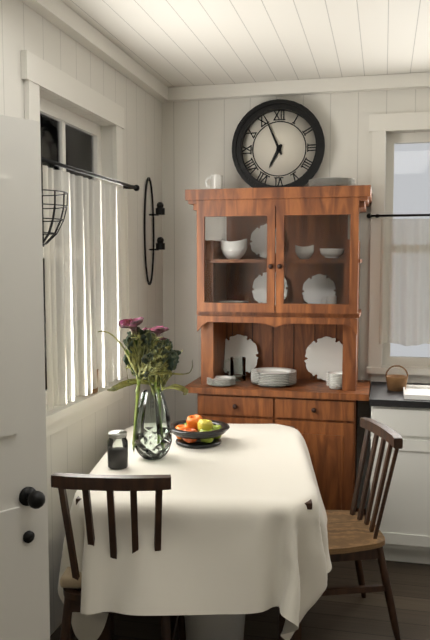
6:56
